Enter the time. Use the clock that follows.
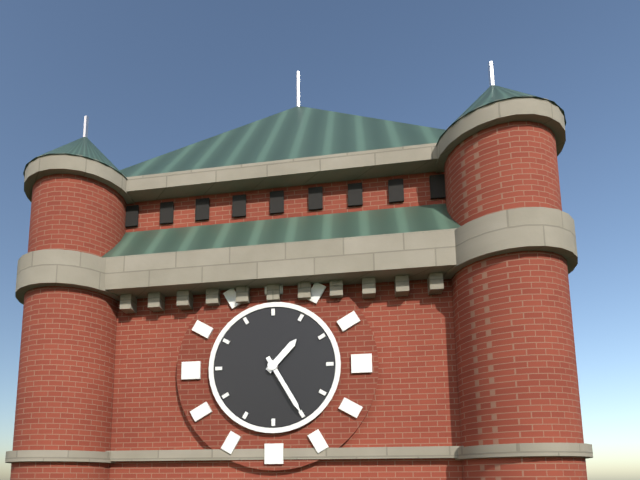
1:25
